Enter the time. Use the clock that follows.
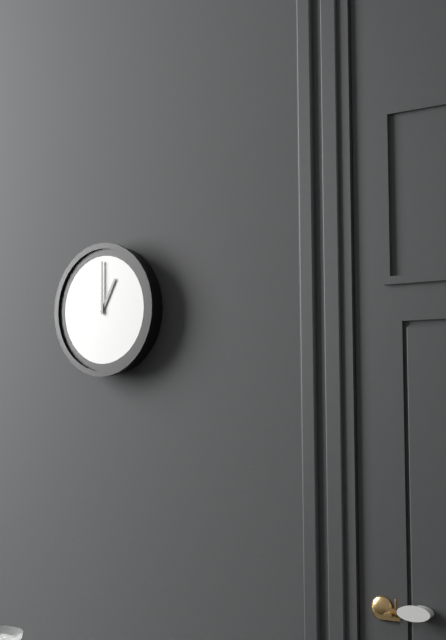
1:00
